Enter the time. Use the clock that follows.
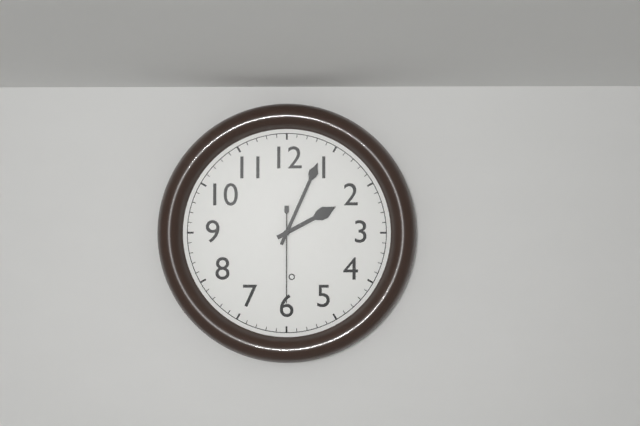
2:04:30
